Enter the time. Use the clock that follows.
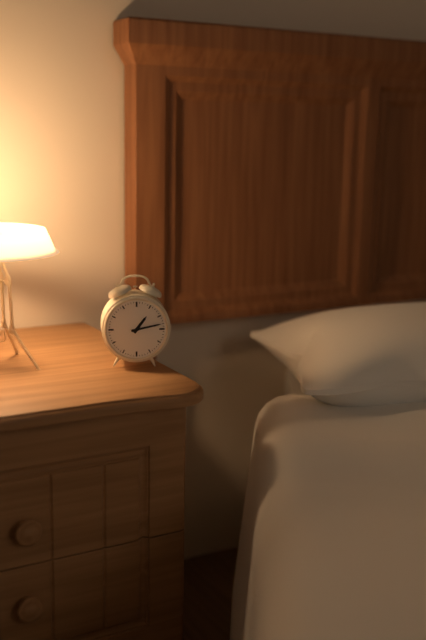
1:13
